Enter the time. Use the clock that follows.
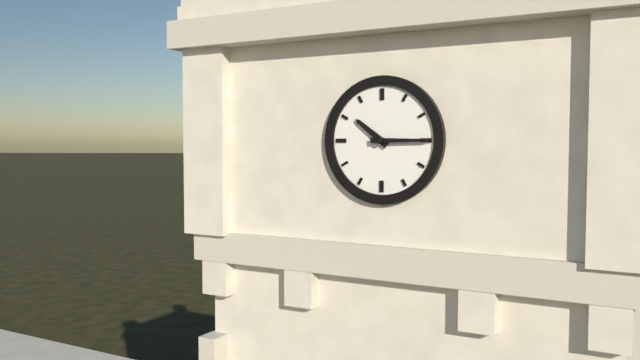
10:15
